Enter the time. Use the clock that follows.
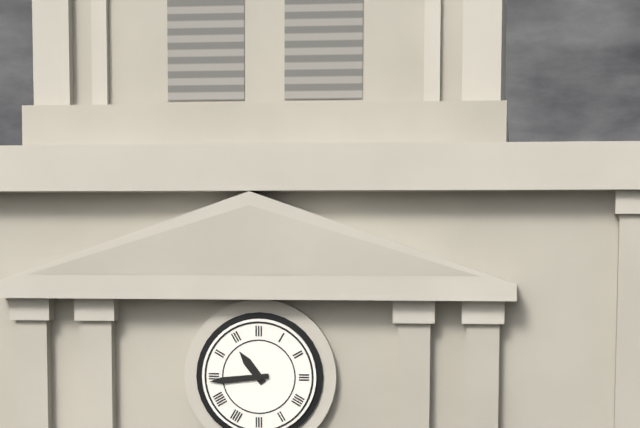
10:44
